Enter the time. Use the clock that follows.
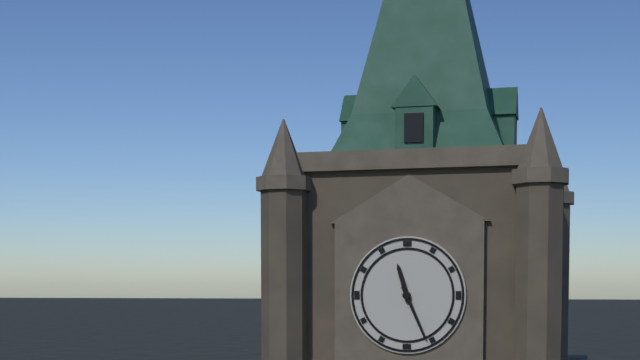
11:26
